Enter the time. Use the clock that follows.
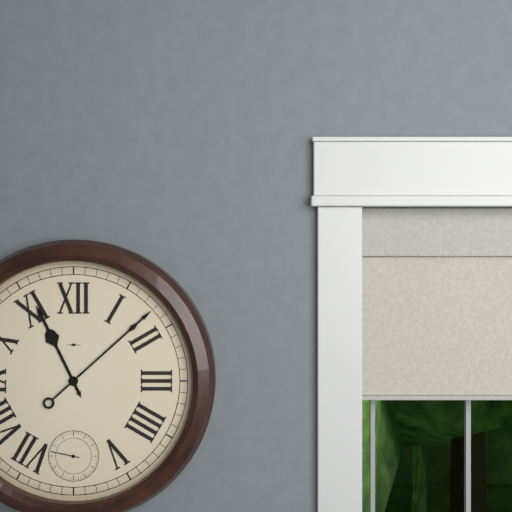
11:08
